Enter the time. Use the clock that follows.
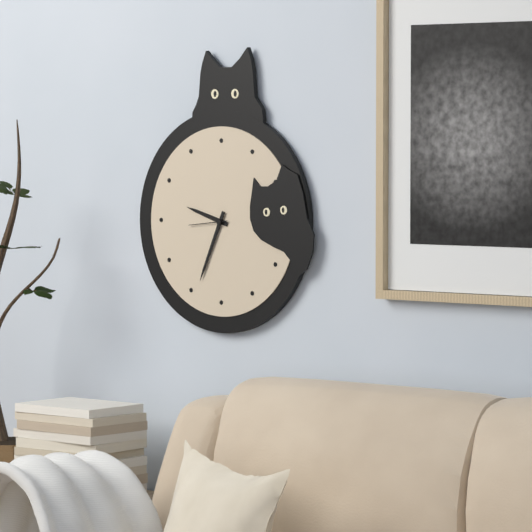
9:34
